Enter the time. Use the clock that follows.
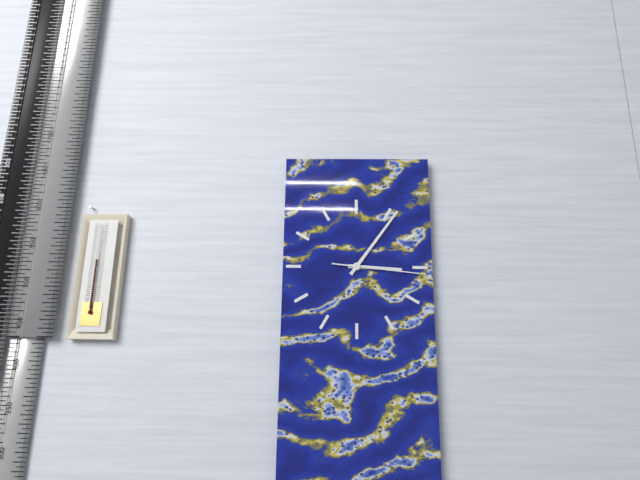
3:06:16
